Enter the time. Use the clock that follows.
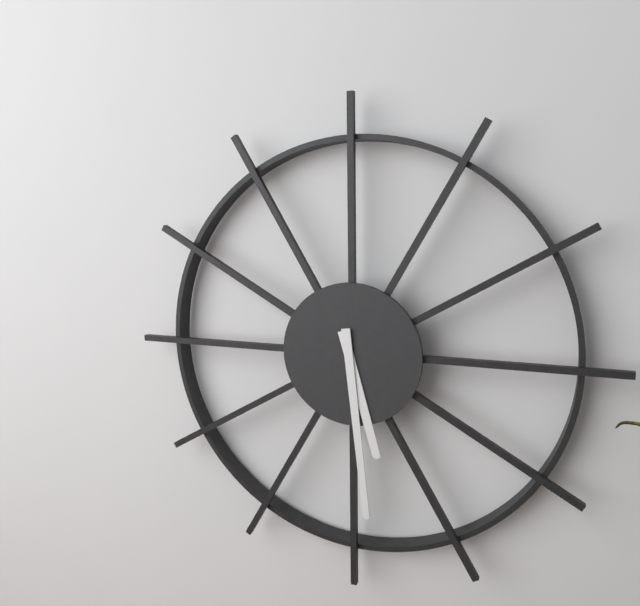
5:29
